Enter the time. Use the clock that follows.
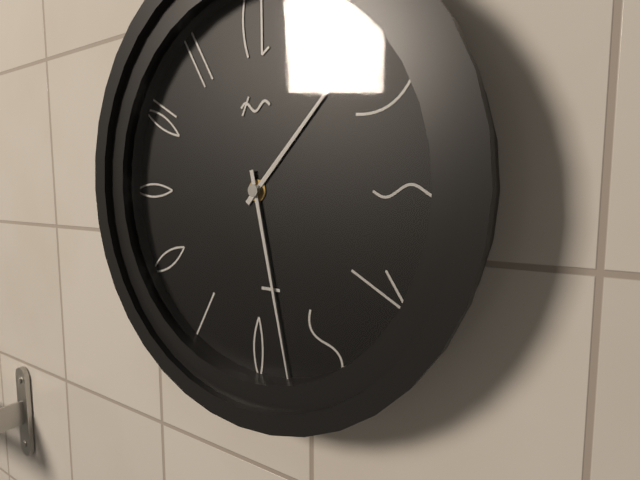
1:28
